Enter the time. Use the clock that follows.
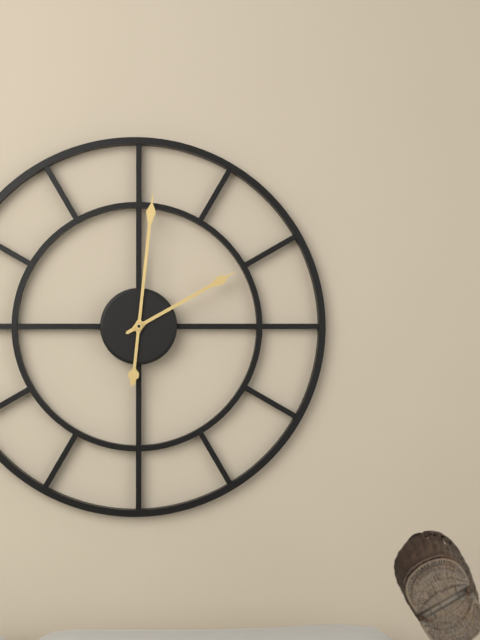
2:01
